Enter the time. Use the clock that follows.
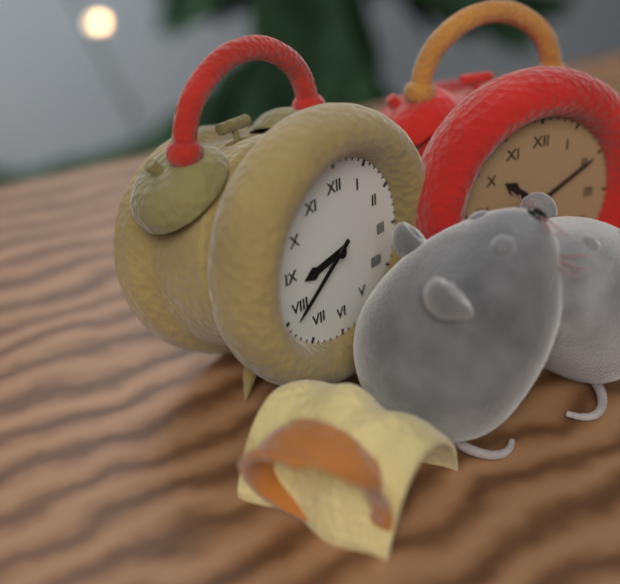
8:39
